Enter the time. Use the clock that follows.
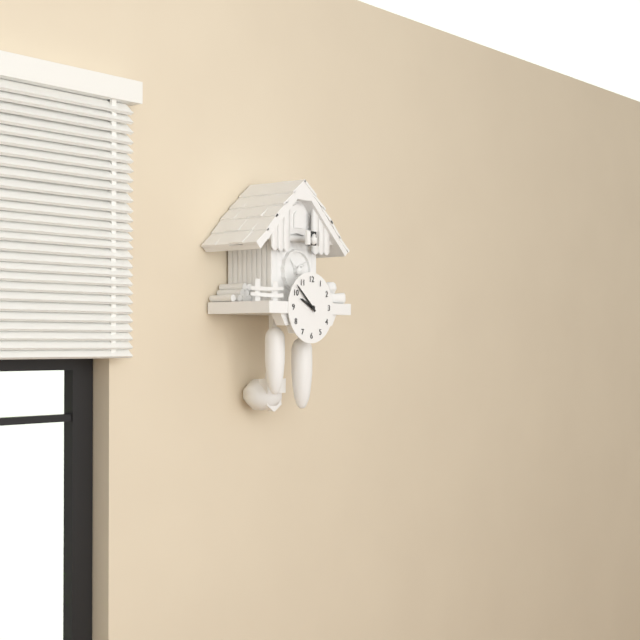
9:52
